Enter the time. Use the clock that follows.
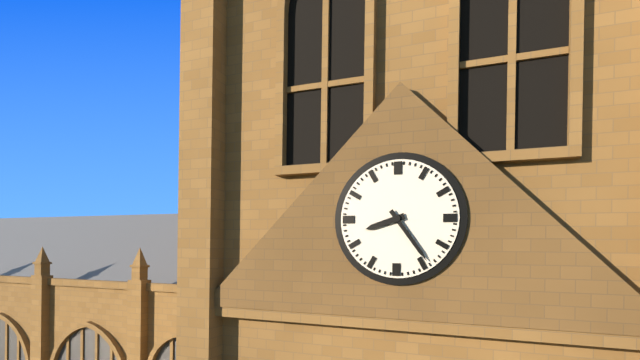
8:24
